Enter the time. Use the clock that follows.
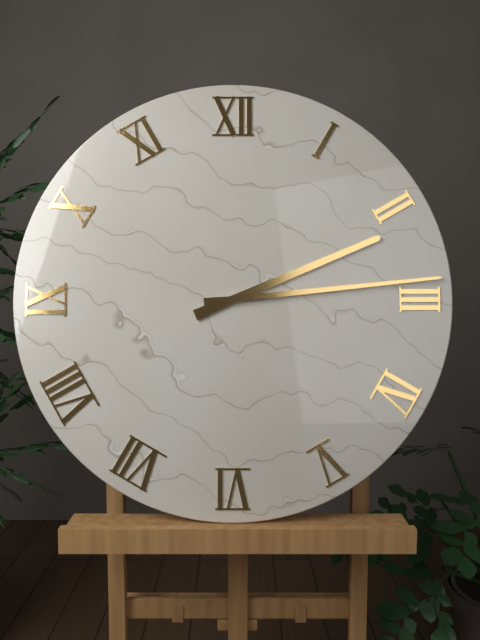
2:14
